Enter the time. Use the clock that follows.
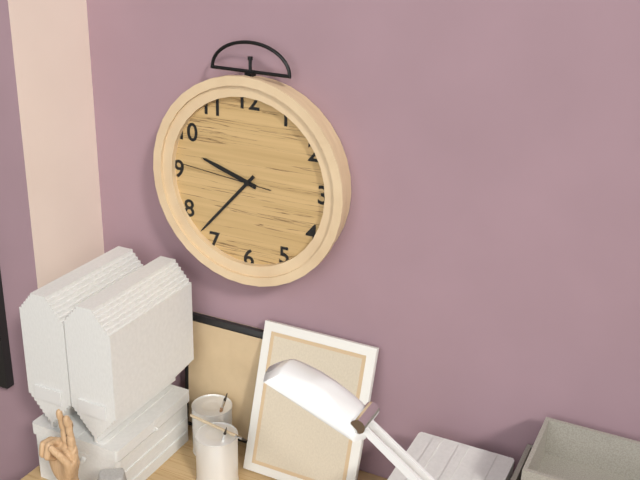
9:37:46
